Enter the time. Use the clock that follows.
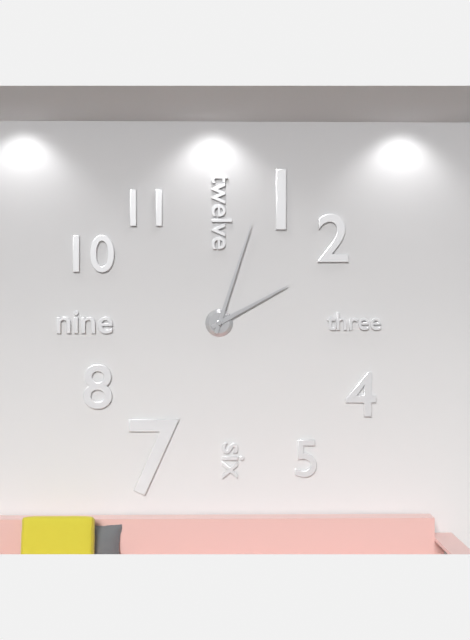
2:03
